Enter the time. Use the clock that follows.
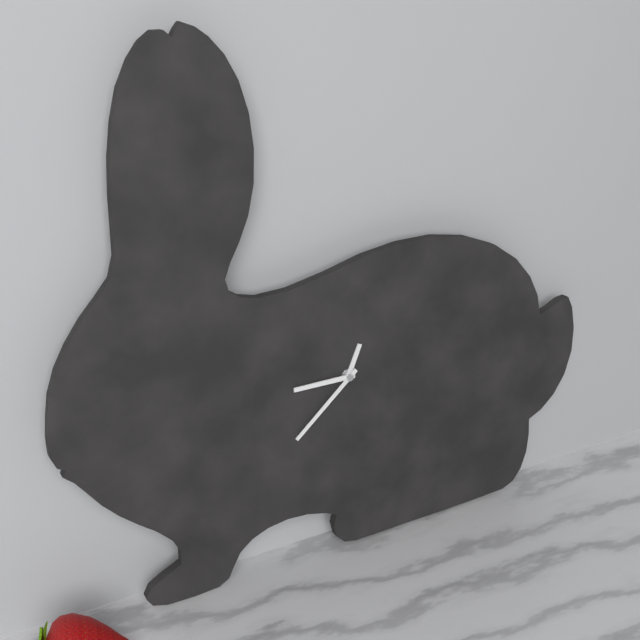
12:45:38
